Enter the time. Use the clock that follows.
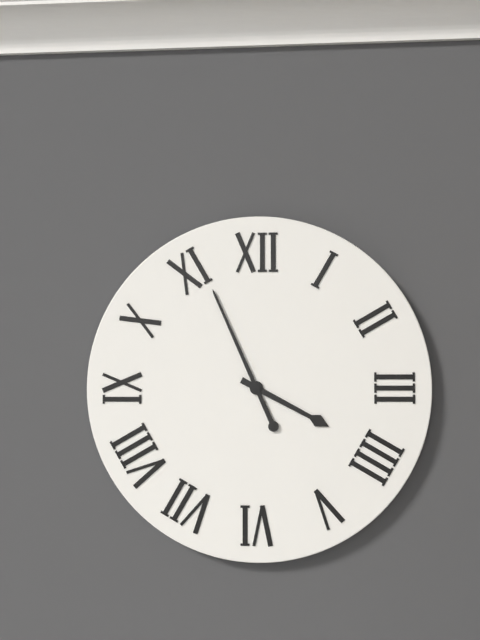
3:56
